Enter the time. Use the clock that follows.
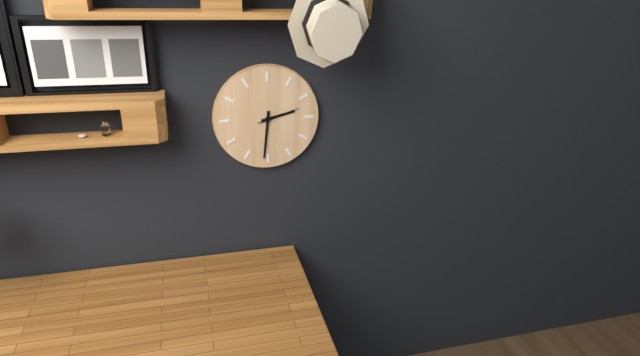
2:31
